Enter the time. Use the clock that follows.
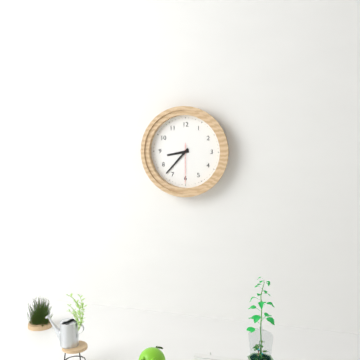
8:37
